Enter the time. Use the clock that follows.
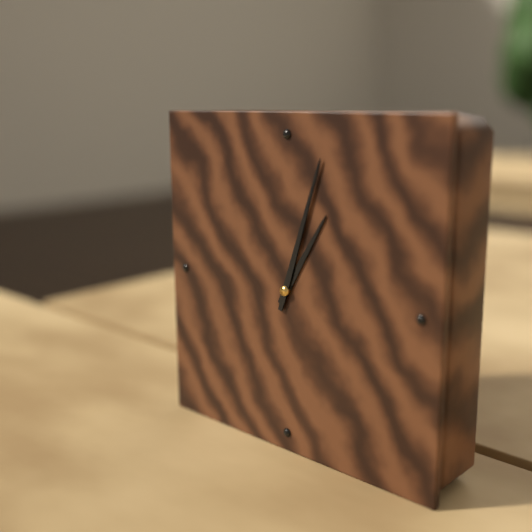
1:03
